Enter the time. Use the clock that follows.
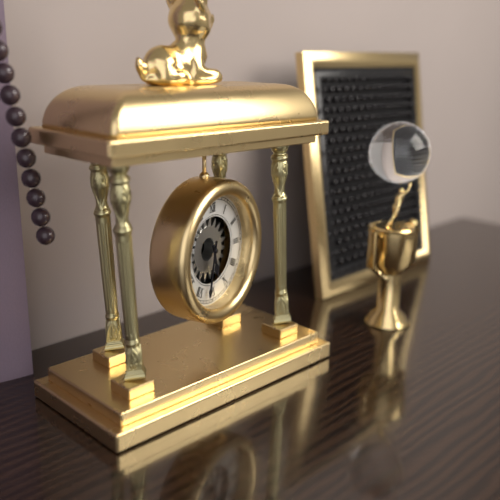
5:32
